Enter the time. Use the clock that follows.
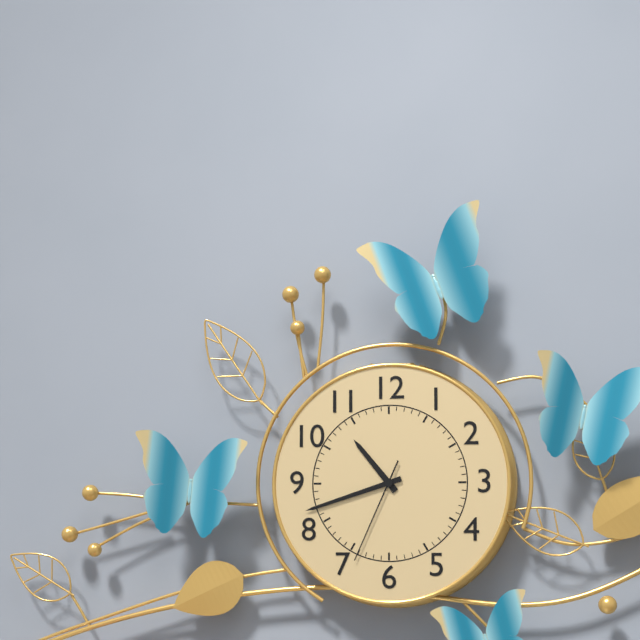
10:42:34
